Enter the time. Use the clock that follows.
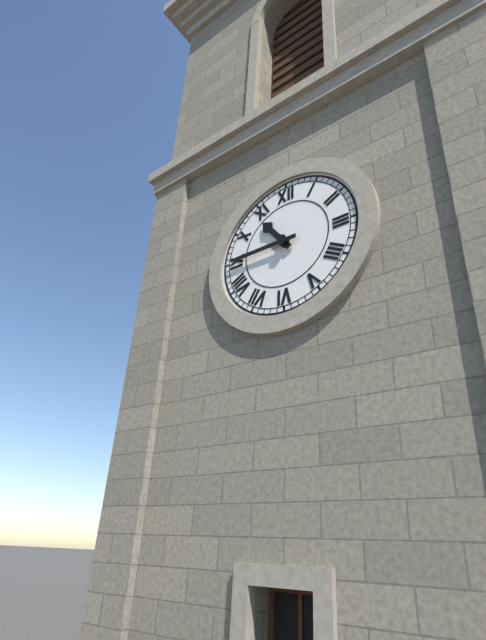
10:45
